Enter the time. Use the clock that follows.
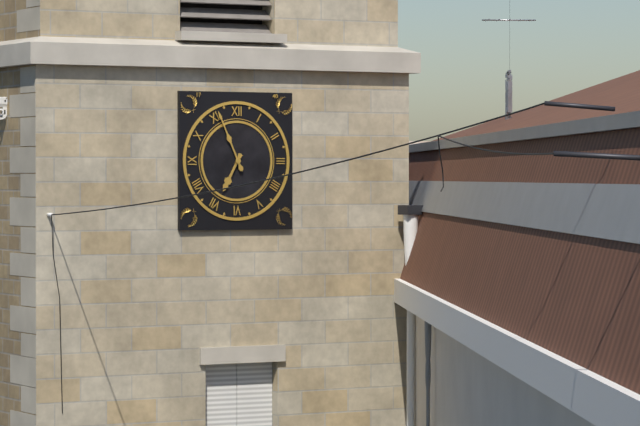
6:56
